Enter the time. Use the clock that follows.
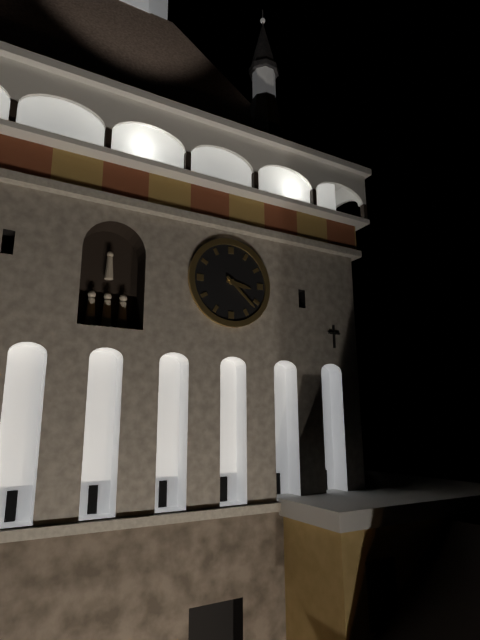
3:22
